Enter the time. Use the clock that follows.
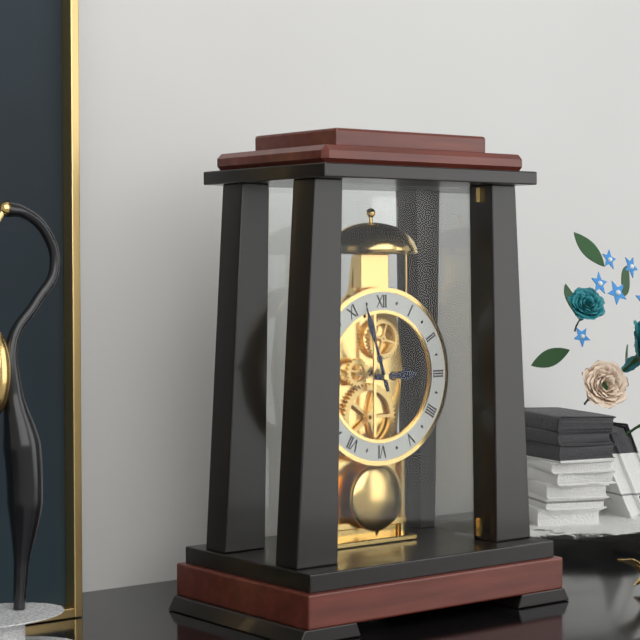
2:57
